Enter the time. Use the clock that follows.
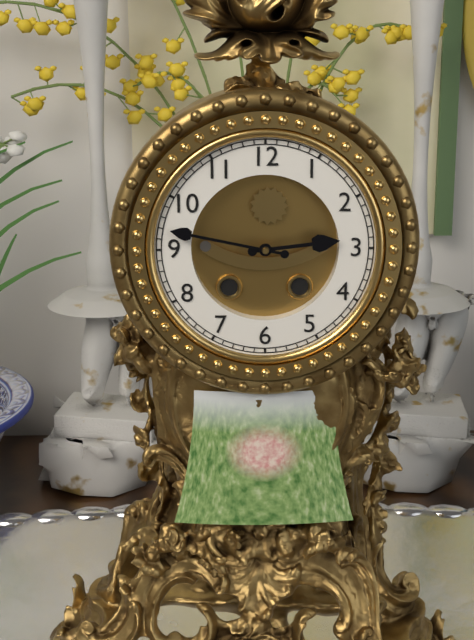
2:47
